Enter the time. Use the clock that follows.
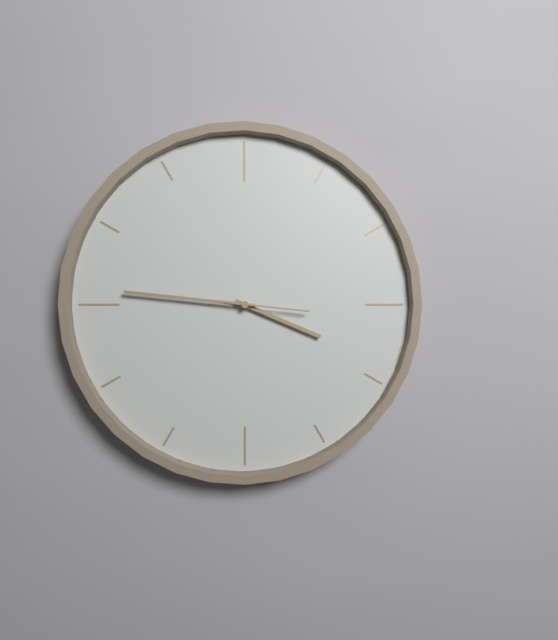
3:46:16
